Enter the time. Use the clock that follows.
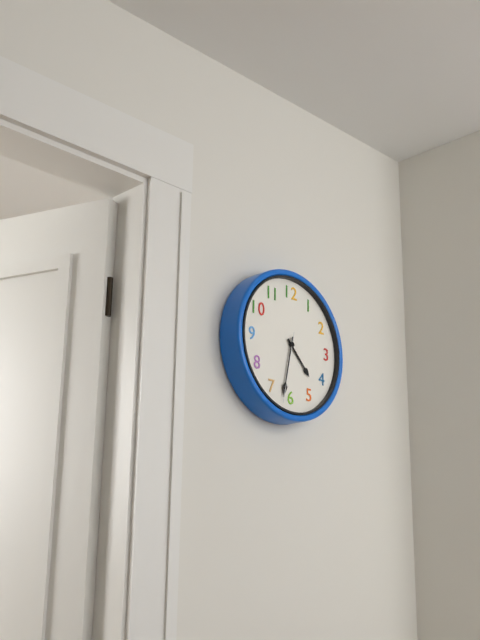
4:32:32
